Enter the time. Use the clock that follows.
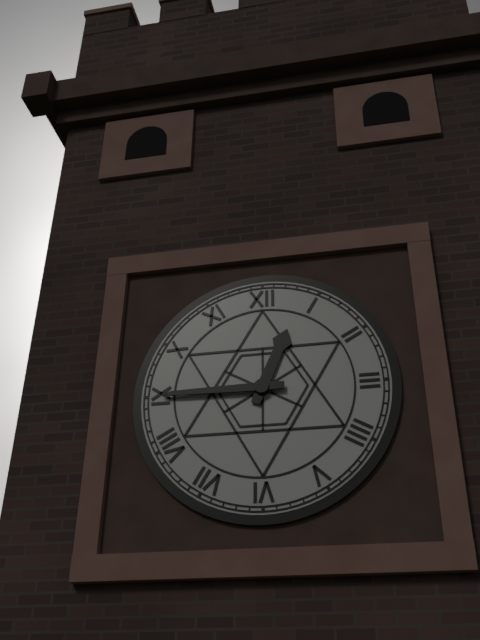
12:45
